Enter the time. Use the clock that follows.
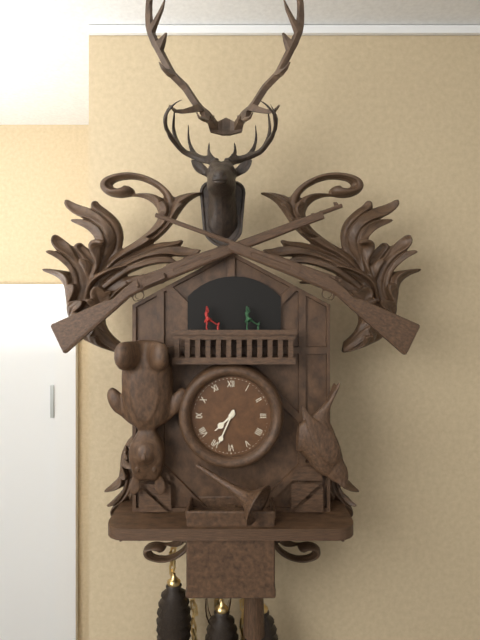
7:34
